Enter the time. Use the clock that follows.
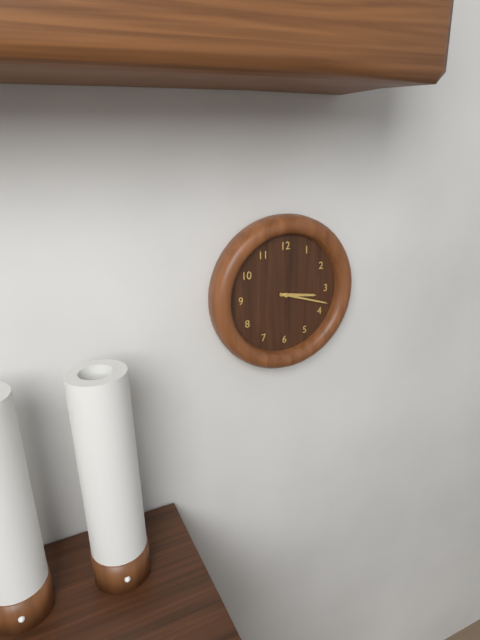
3:18
